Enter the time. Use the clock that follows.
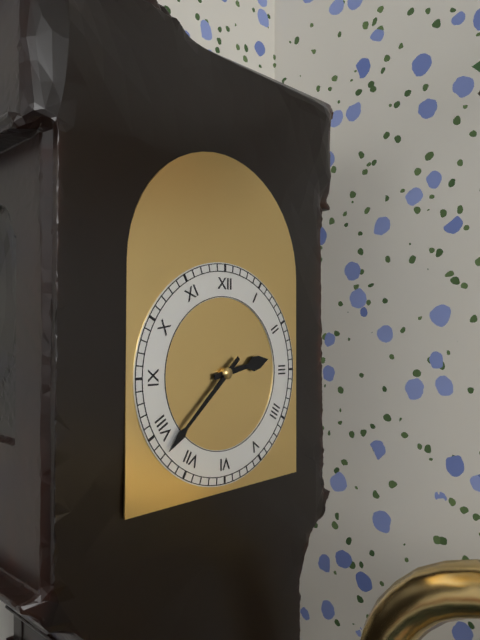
2:38
